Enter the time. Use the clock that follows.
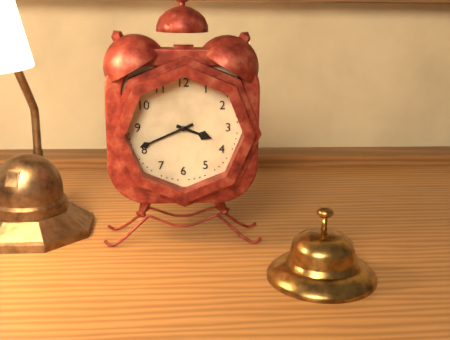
3:41
